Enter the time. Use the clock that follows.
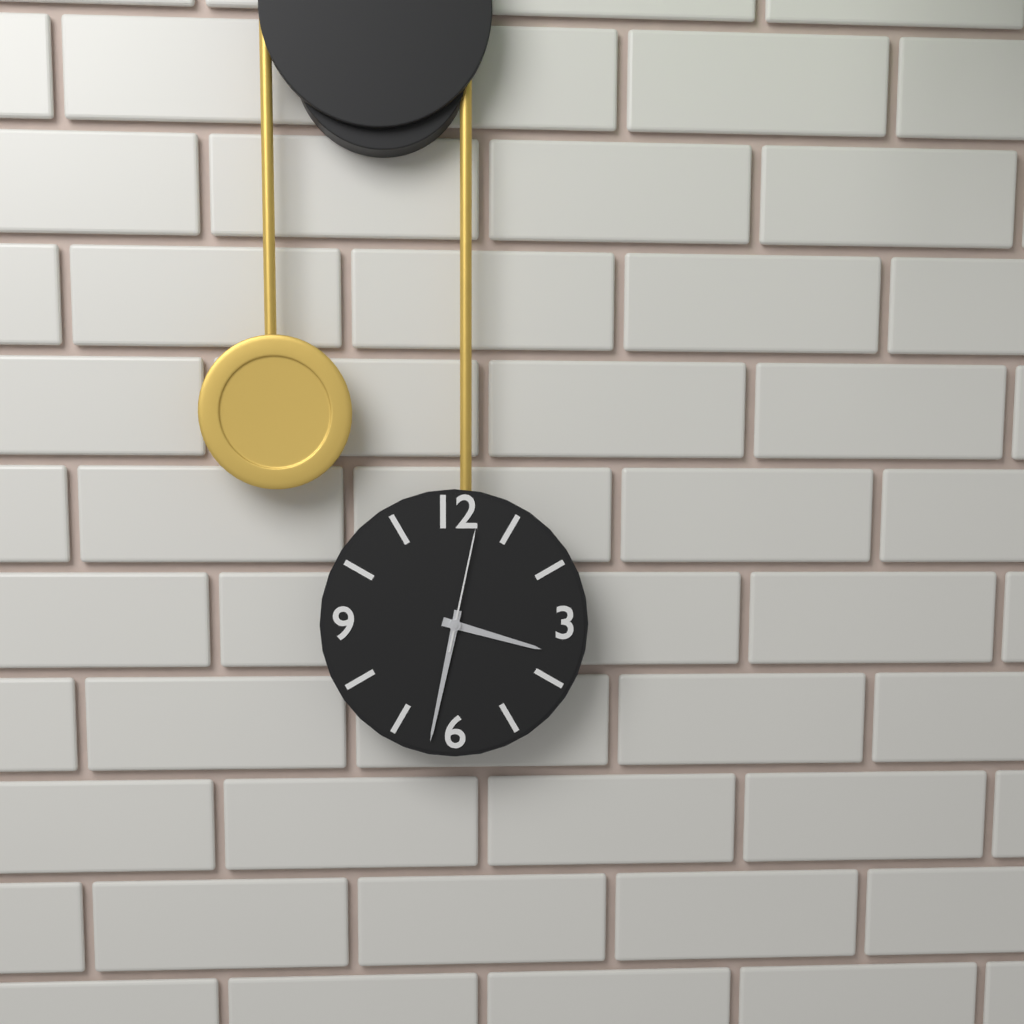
3:32:02
